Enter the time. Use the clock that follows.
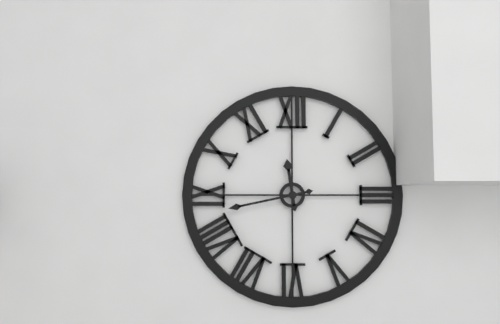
11:43
